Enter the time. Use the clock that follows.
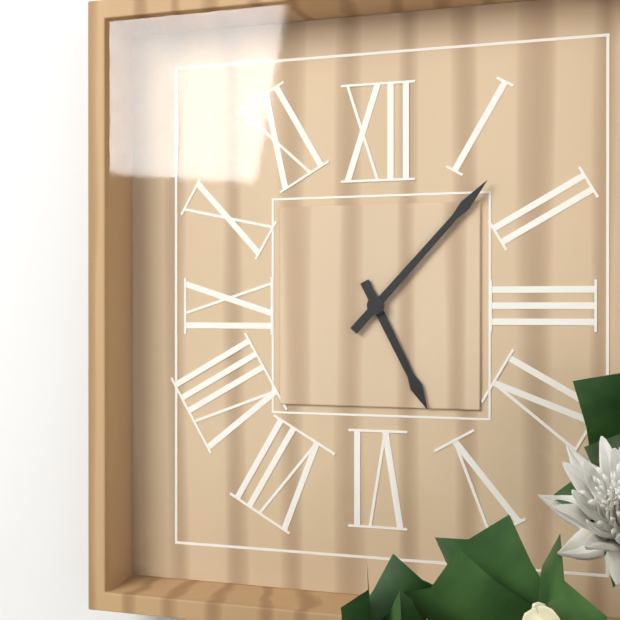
5:07
